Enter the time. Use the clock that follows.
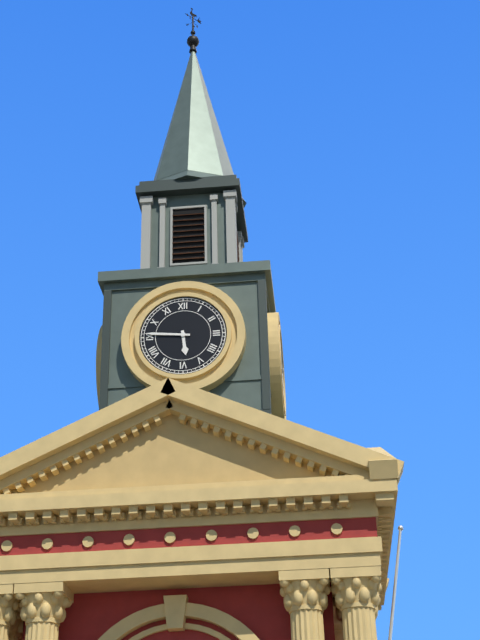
5:46
